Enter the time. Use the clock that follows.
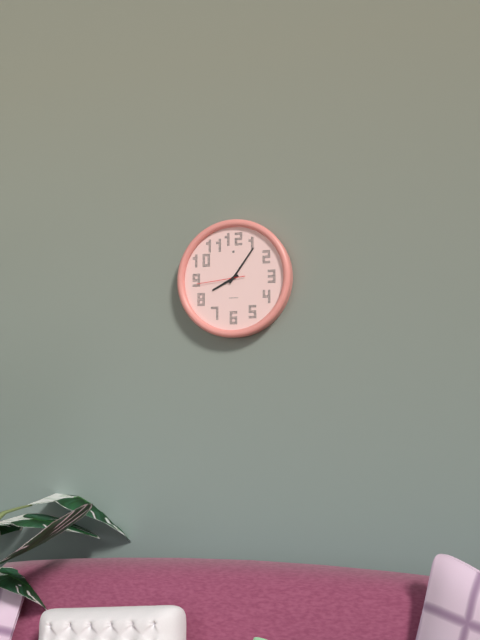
8:06
